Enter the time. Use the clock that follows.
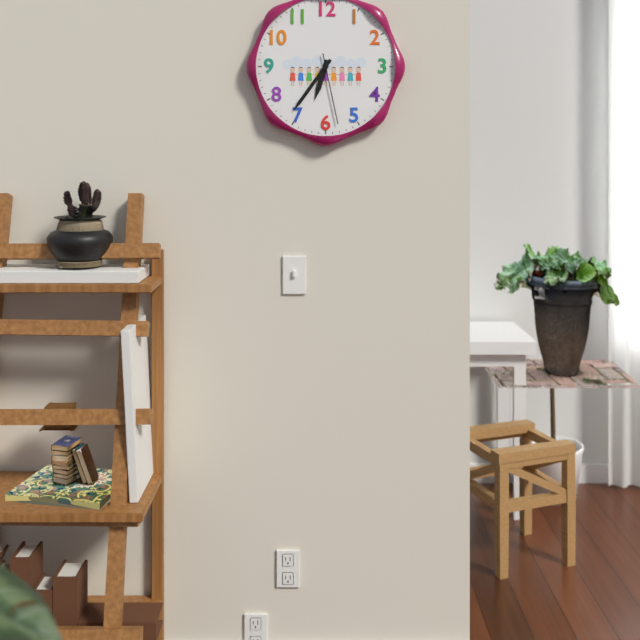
6:36:28
